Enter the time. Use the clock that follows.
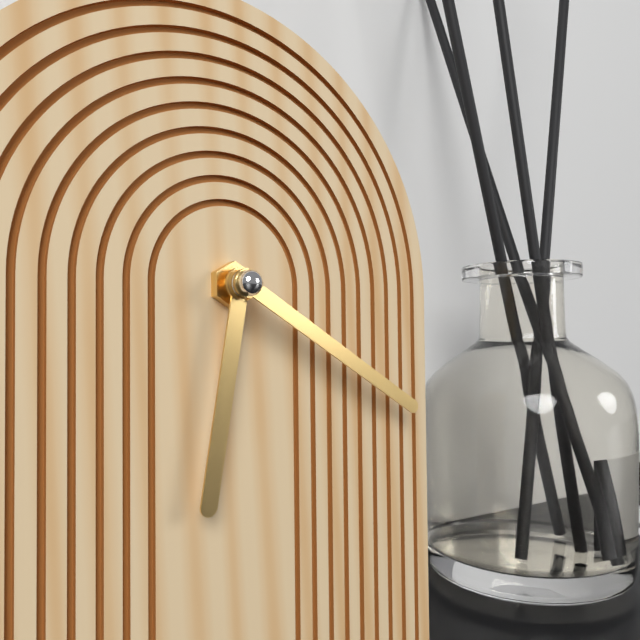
6:20
